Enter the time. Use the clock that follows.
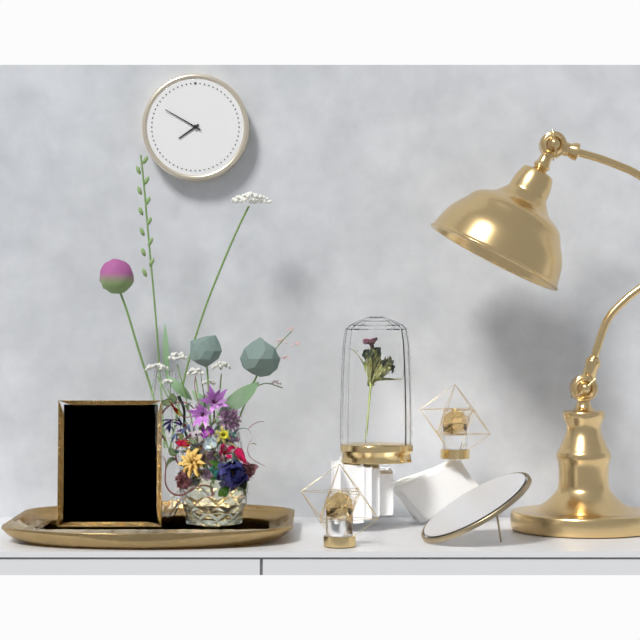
7:50
